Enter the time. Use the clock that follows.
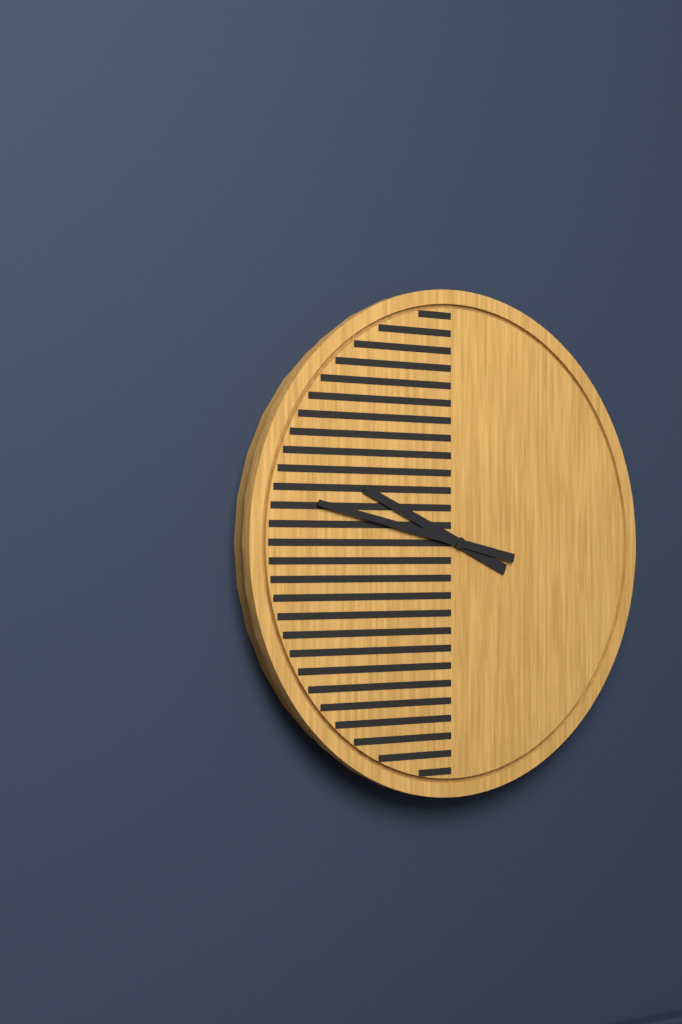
9:47
